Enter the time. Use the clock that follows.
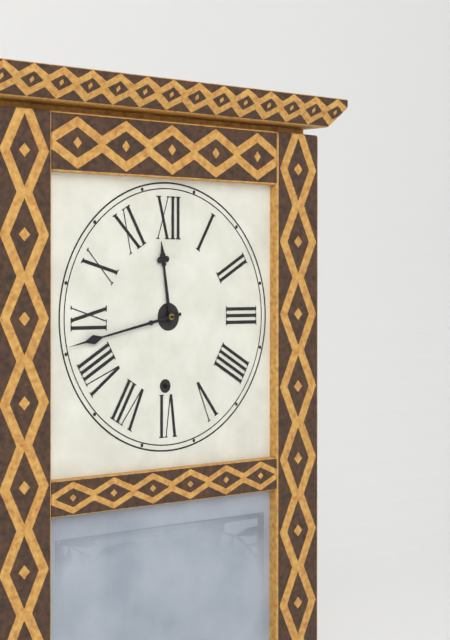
11:43
